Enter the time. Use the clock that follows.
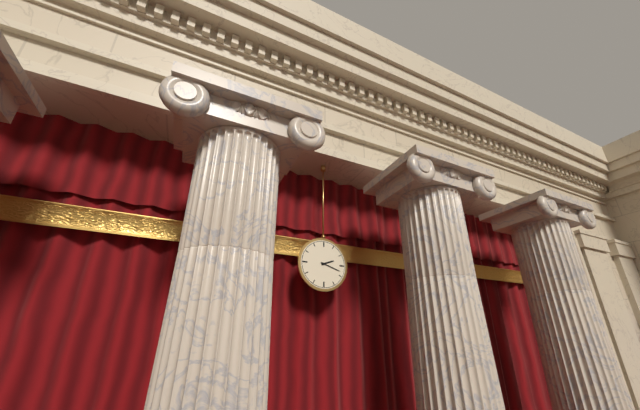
2:18
